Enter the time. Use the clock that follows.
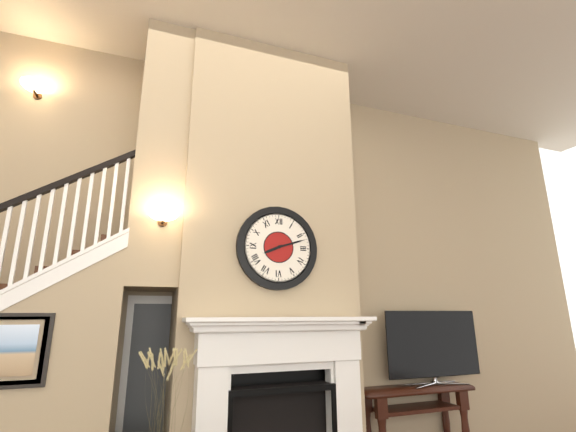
8:12
